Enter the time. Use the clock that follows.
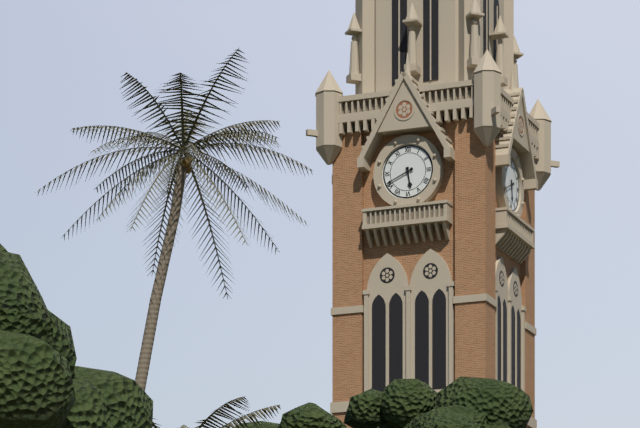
5:41
